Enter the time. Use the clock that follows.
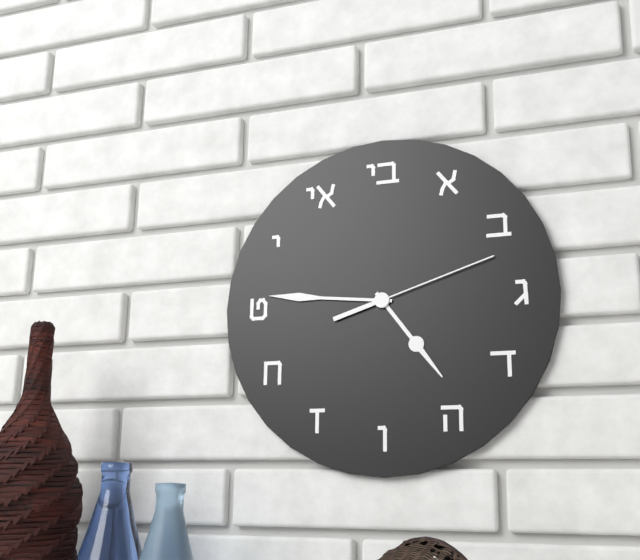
4:46:12
